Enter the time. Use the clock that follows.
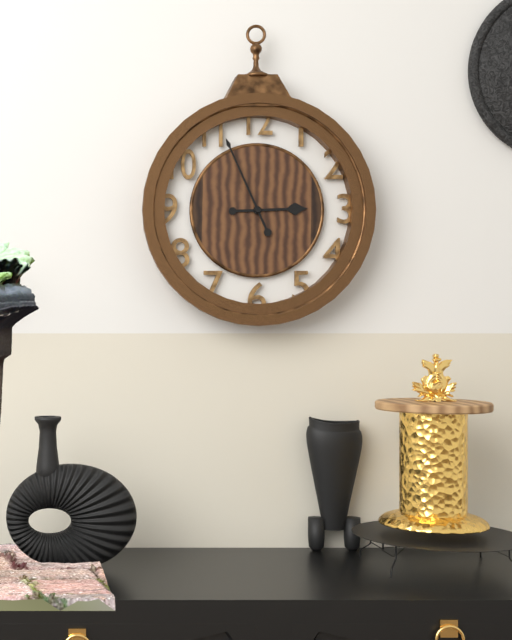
2:56
